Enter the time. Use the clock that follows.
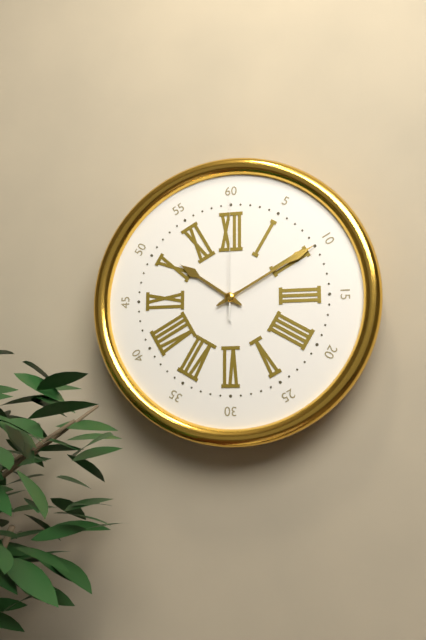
10:10:00
